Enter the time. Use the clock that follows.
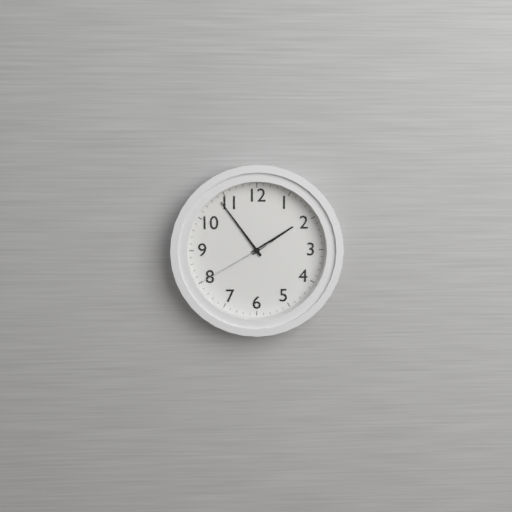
1:54:40
